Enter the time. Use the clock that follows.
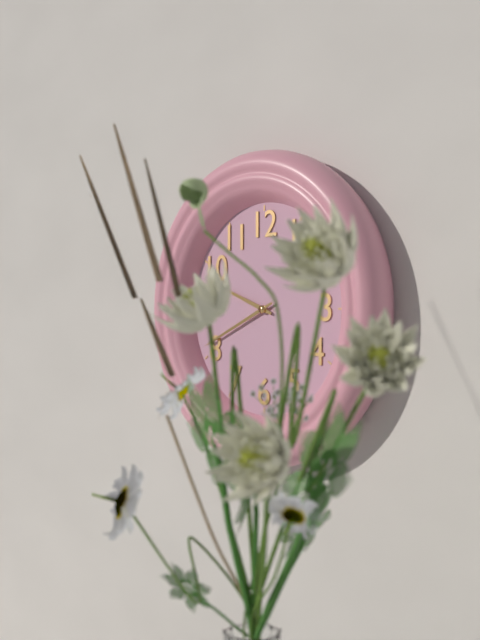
9:41
